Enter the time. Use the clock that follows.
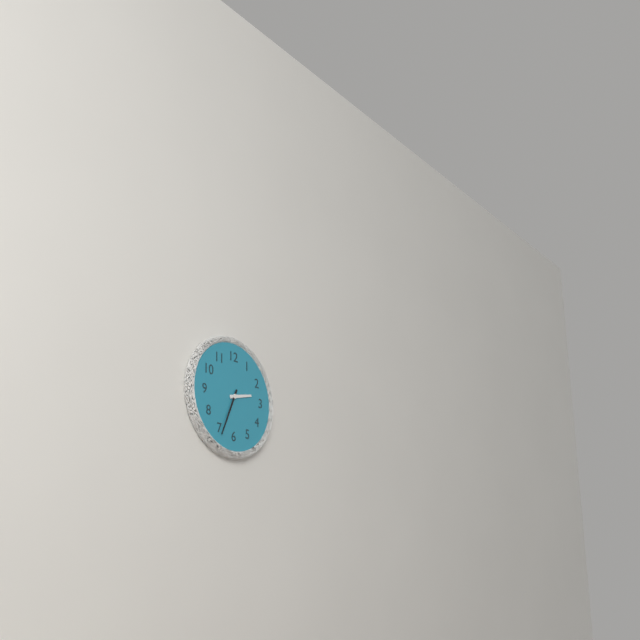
2:34
